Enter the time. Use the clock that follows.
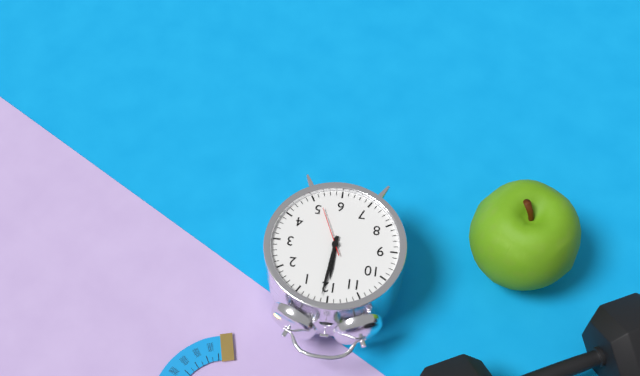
12:01:26
